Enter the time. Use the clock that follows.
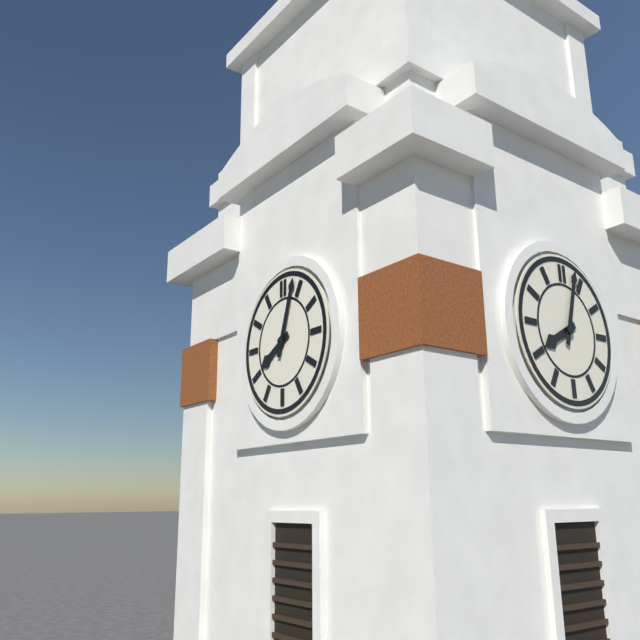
8:03
